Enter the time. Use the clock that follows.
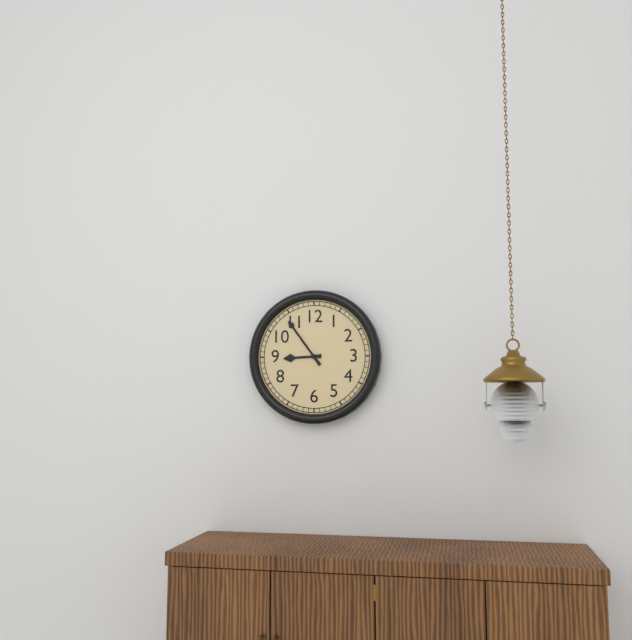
8:54
